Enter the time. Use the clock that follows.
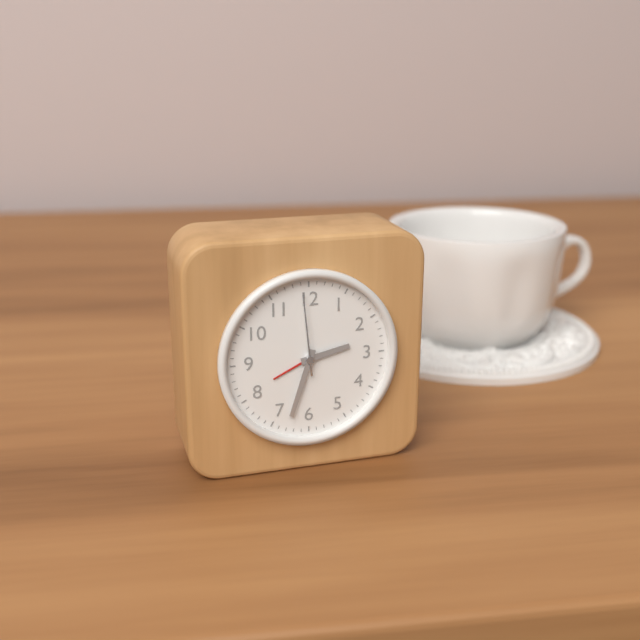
2:33:59
